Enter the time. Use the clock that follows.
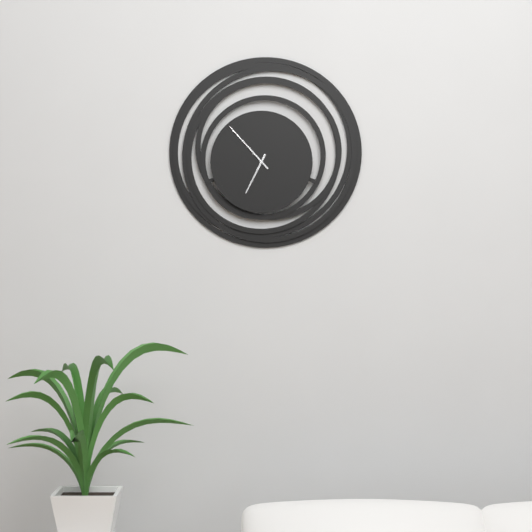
6:53
